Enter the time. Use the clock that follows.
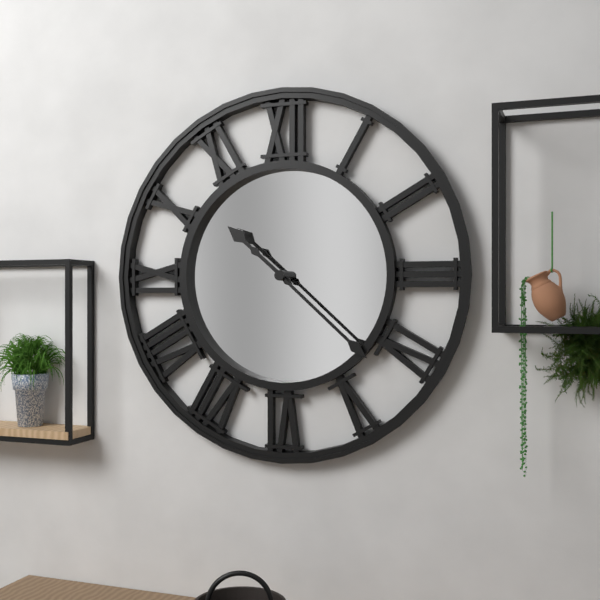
10:22
